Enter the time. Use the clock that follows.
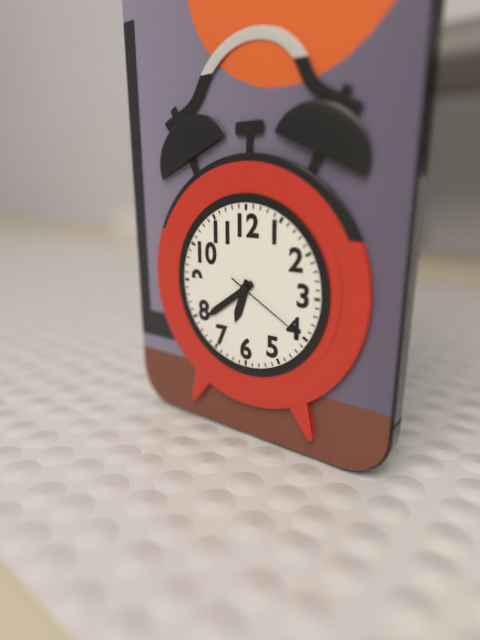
6:39:20
